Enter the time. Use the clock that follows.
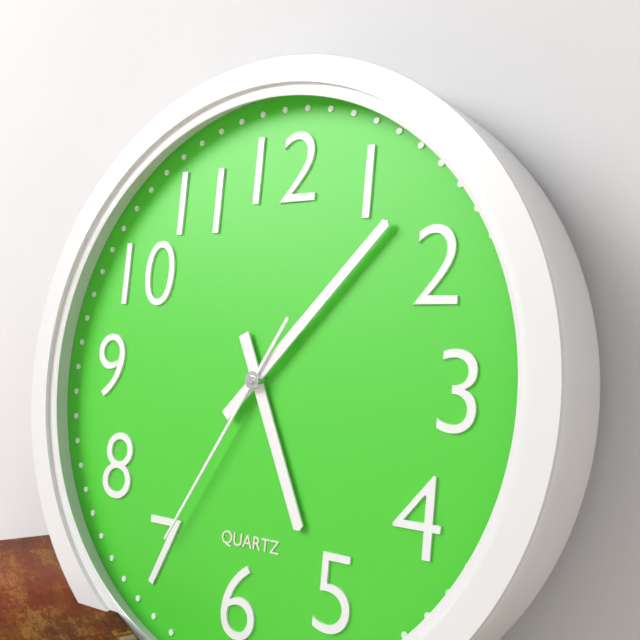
5:07:35
